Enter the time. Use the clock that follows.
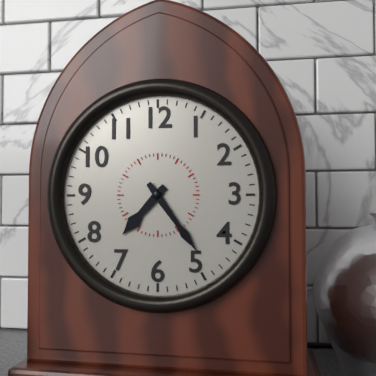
7:24
